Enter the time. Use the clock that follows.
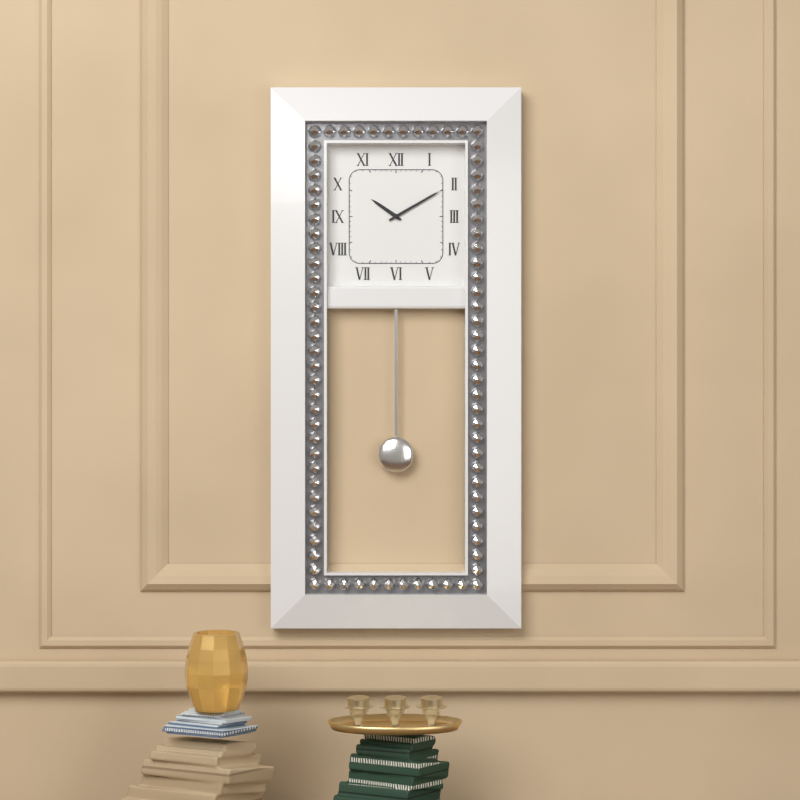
10:10
